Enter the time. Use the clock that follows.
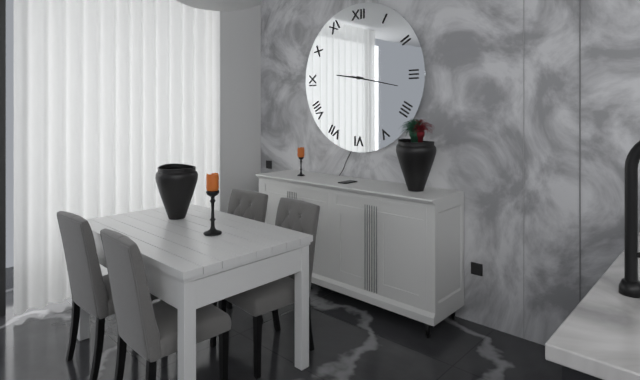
9:17
